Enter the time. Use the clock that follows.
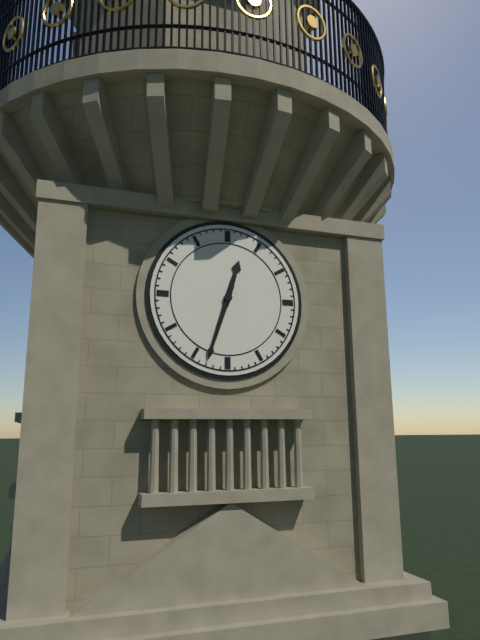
12:33
